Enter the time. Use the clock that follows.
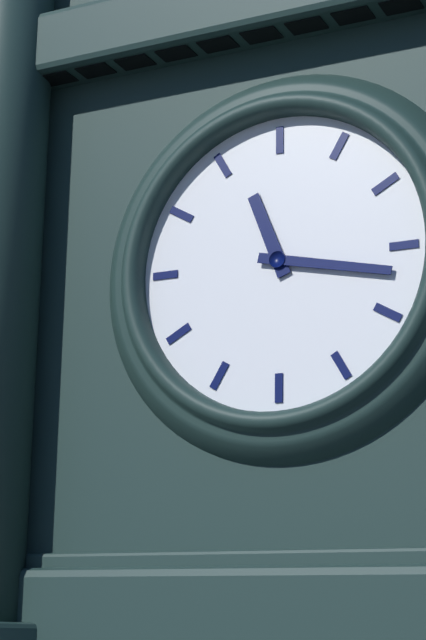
11:17
